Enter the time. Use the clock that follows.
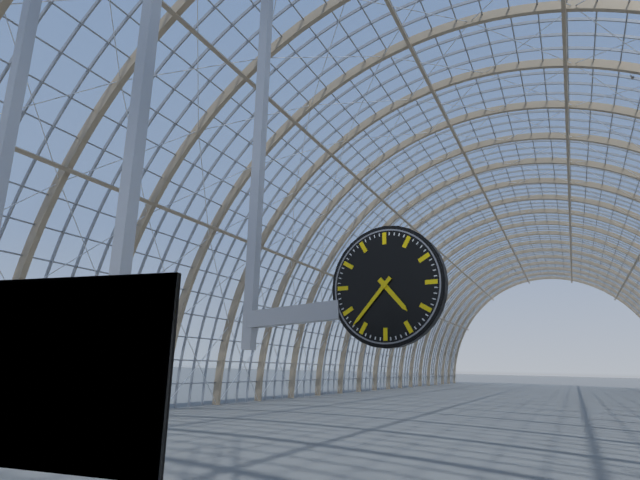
4:37
